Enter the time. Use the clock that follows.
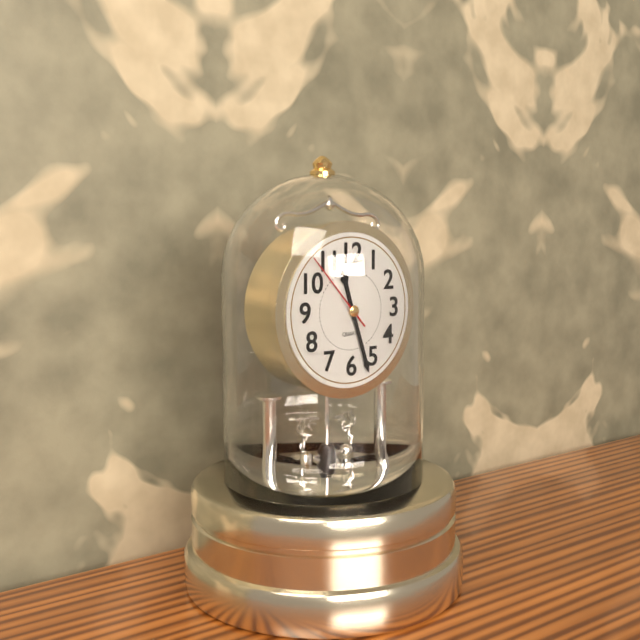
11:27:53
